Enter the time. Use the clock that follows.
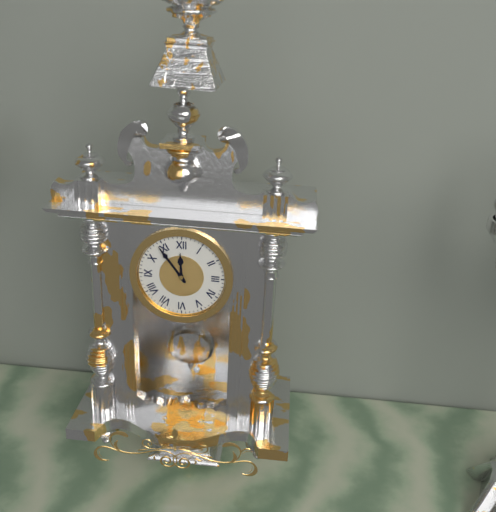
11:54
